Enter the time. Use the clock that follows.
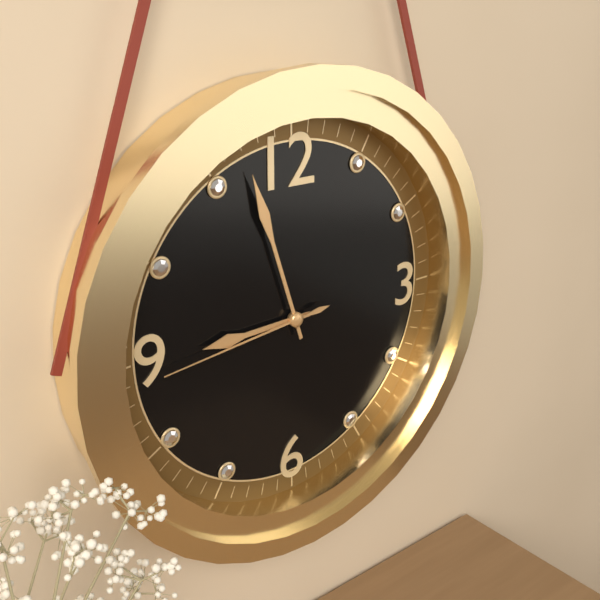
8:57:44
